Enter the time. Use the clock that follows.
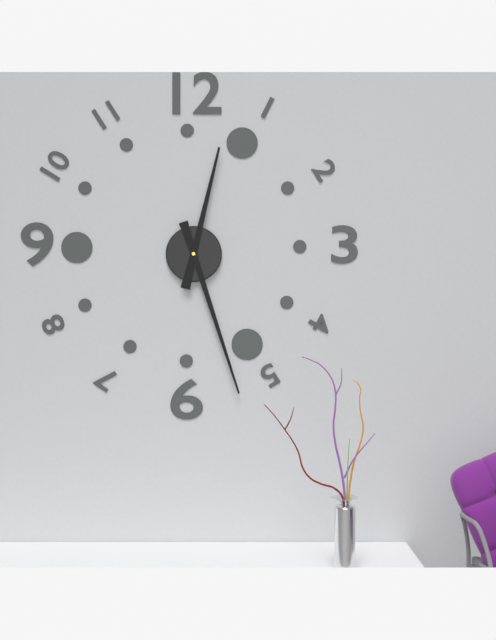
12:27
